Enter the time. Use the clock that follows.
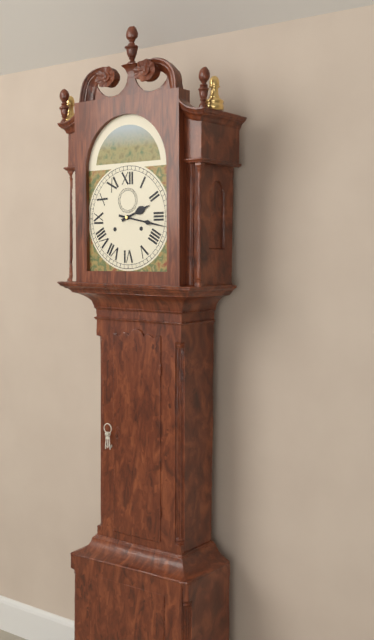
2:17
